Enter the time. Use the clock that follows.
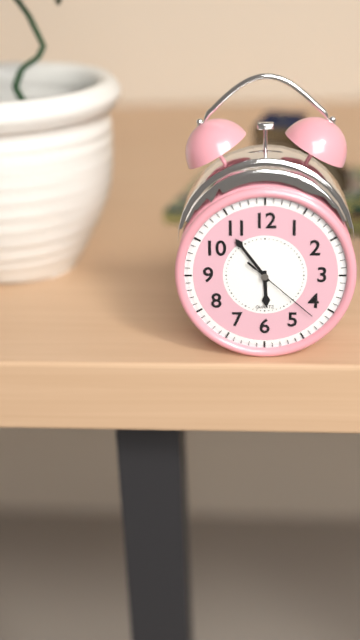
5:54:22
